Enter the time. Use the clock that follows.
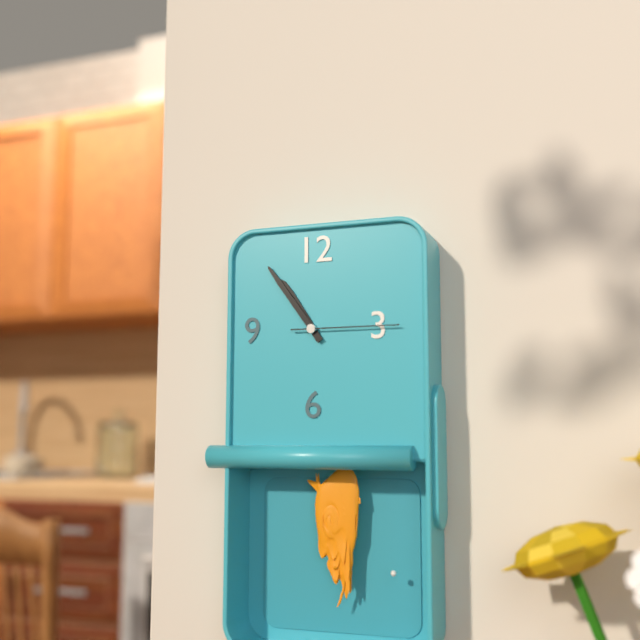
10:54:15
